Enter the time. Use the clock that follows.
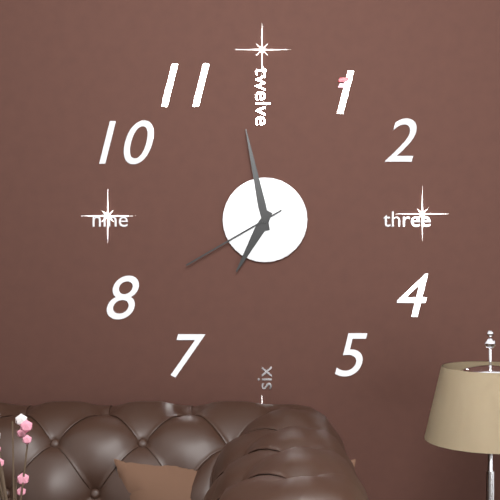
6:58:40
